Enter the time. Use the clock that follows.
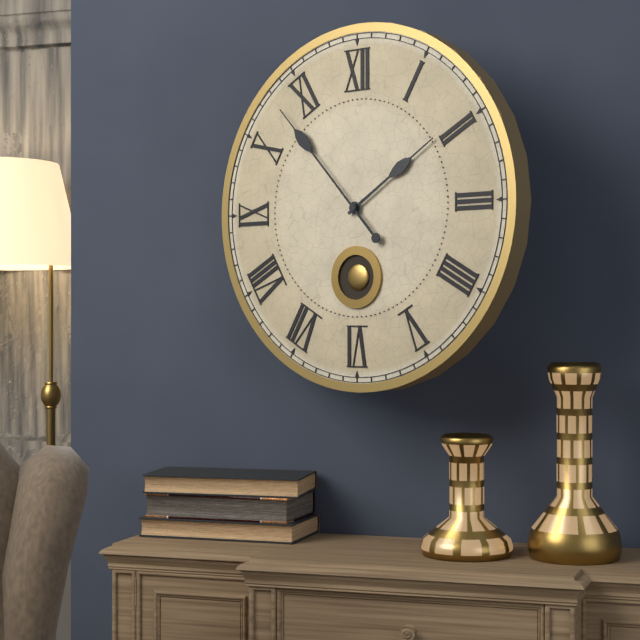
1:53
